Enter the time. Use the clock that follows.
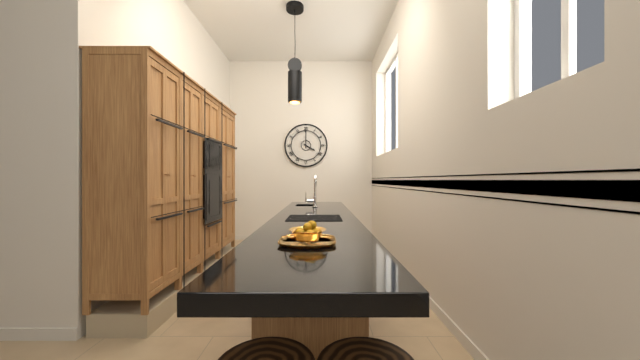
4:00
